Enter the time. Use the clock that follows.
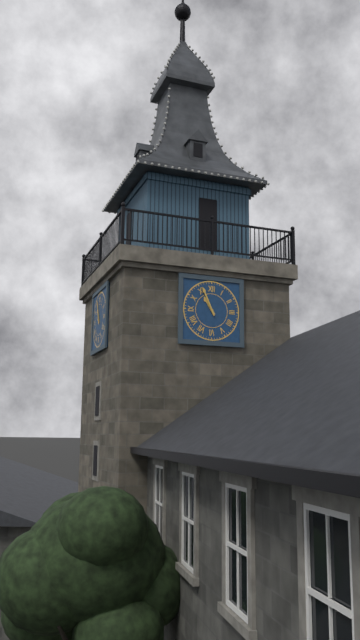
10:56
